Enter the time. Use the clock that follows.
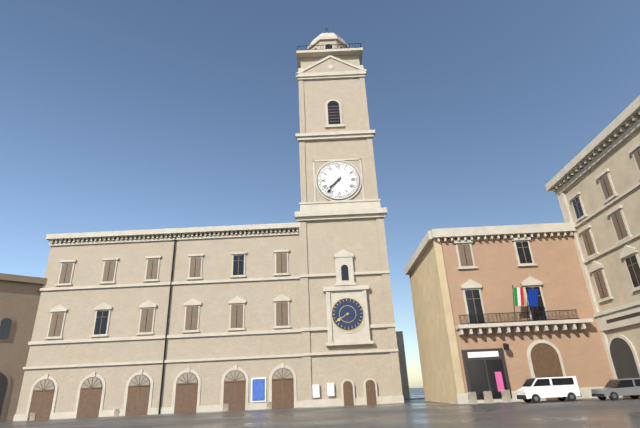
7:37
